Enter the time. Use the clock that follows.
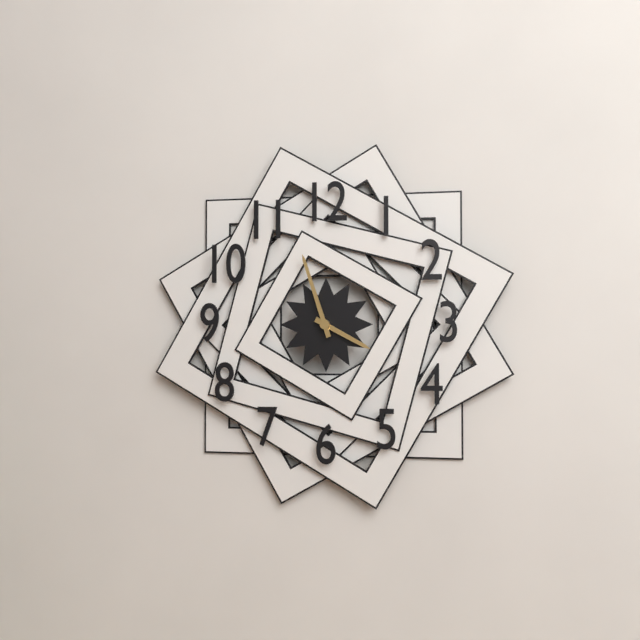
3:57
